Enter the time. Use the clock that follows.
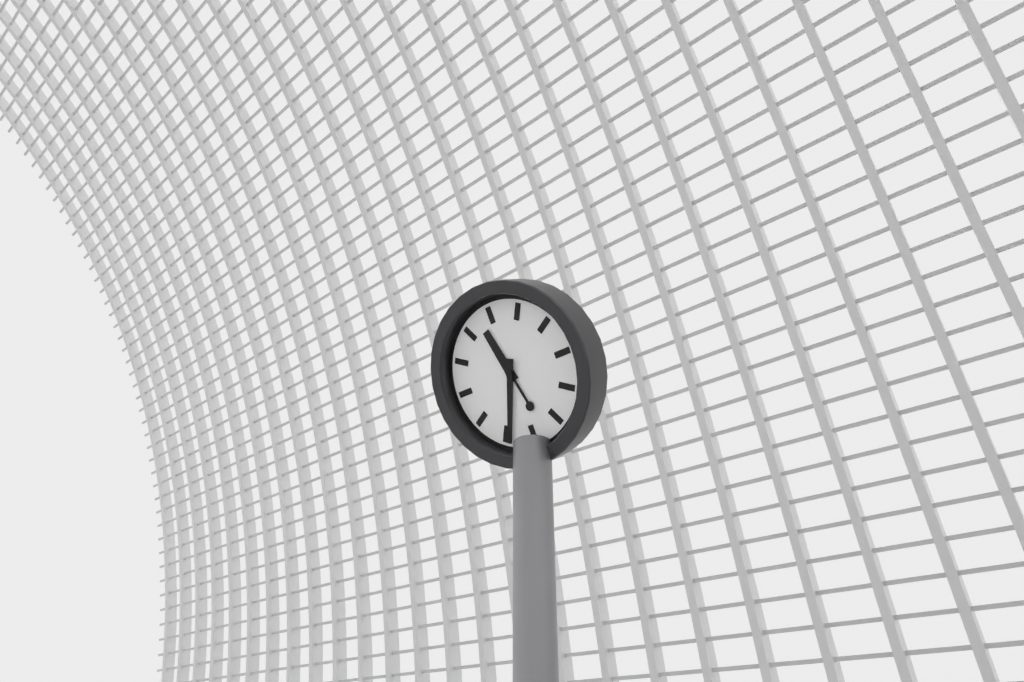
11:34
